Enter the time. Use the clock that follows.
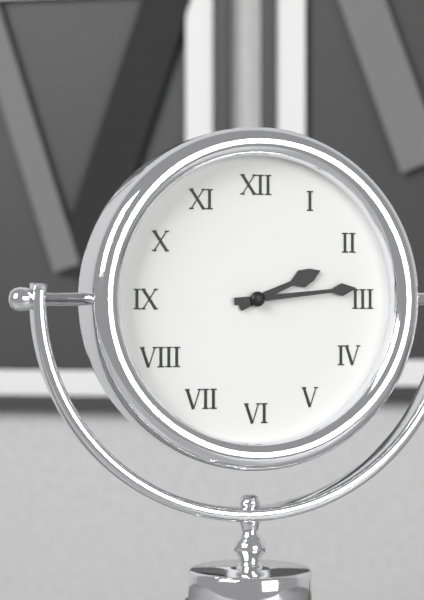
2:14
